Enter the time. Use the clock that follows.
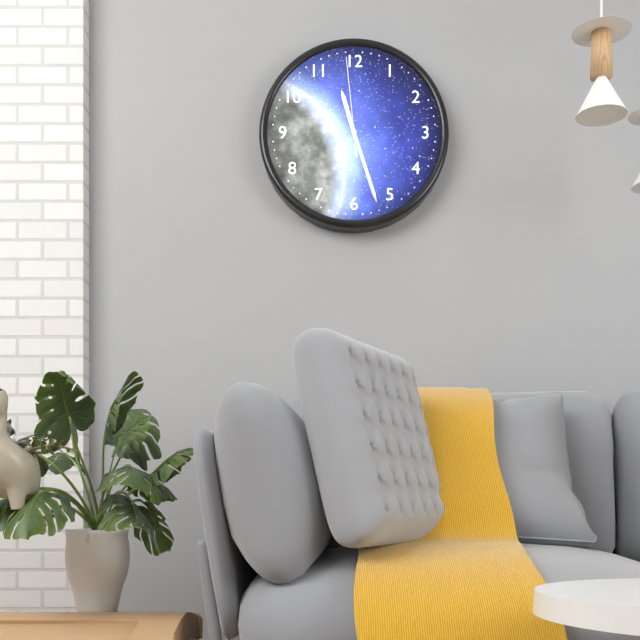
11:27:59
